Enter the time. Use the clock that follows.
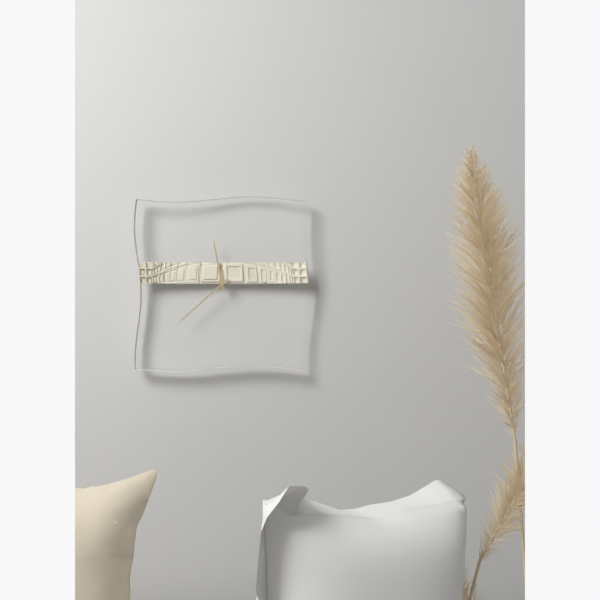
11:38
